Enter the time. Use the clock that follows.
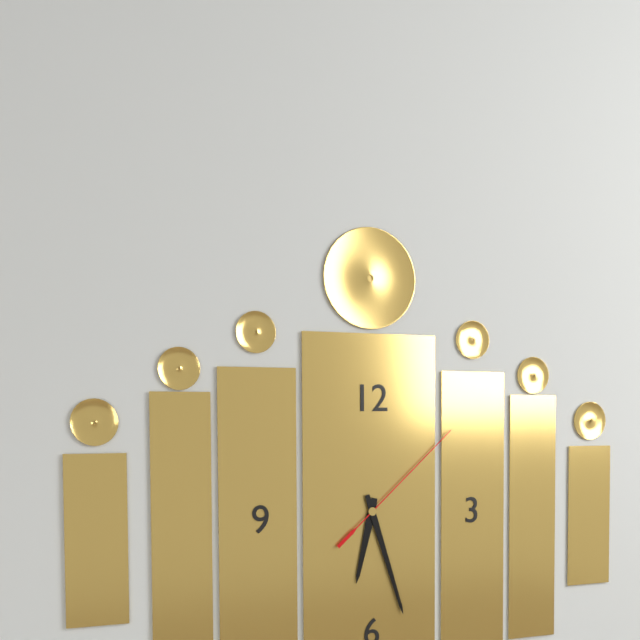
6:27:08
